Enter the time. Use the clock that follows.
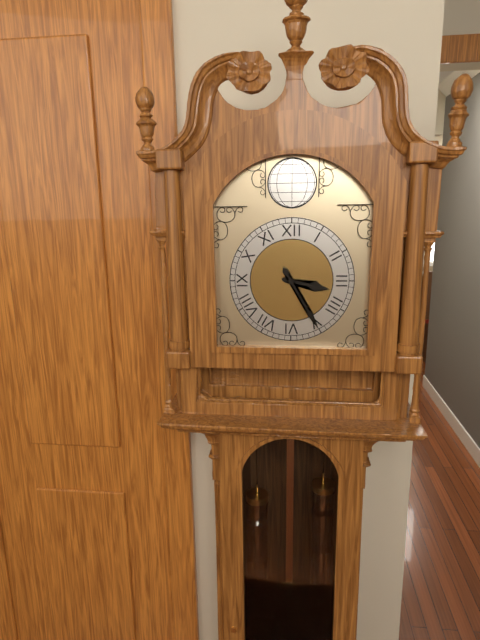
3:25
